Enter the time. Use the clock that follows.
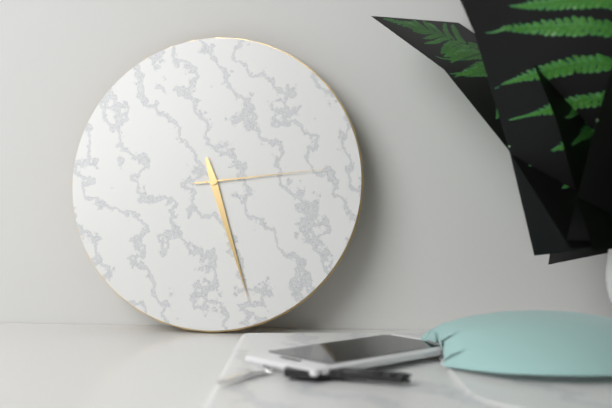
5:27:14
